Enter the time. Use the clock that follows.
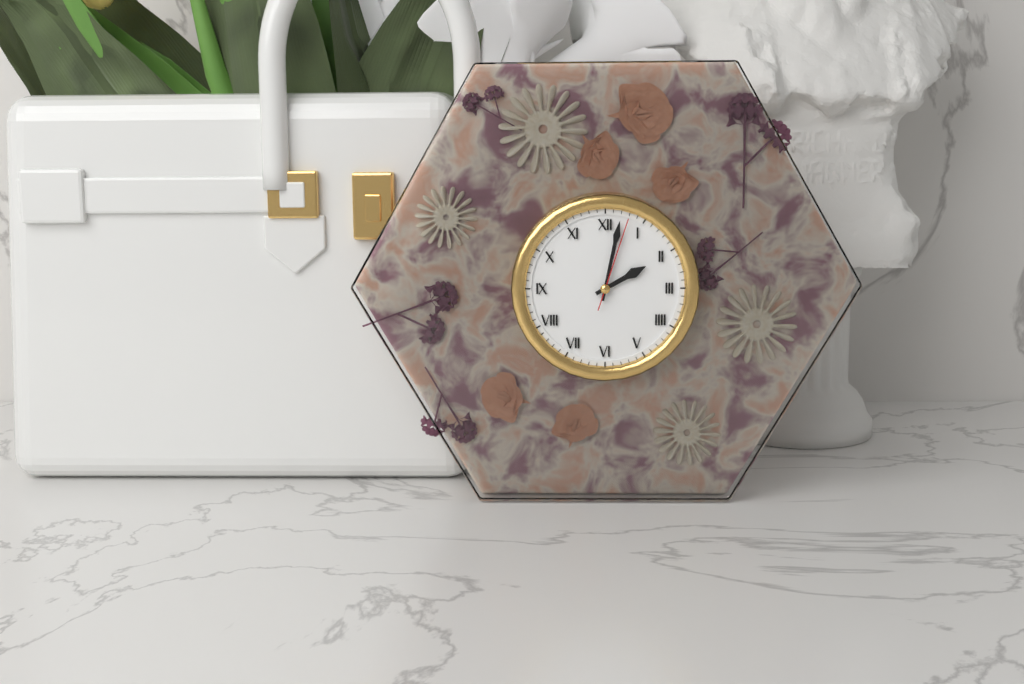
2:02:03
